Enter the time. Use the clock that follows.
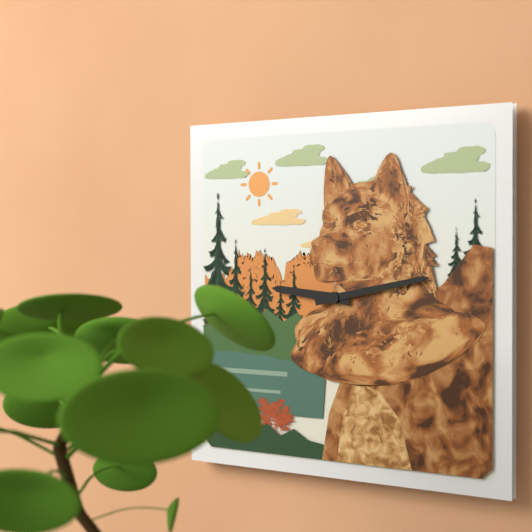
9:13
